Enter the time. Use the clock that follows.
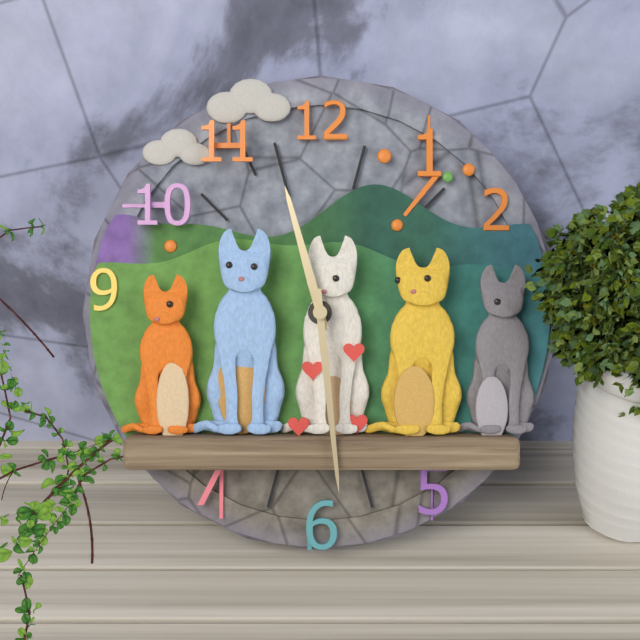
11:29
